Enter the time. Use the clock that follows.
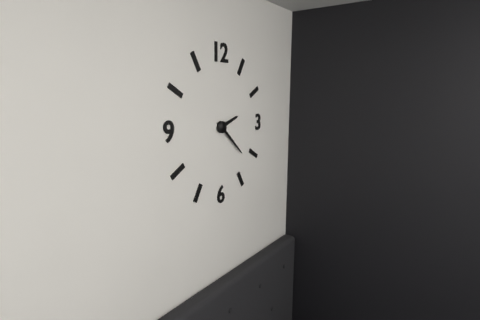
2:22
